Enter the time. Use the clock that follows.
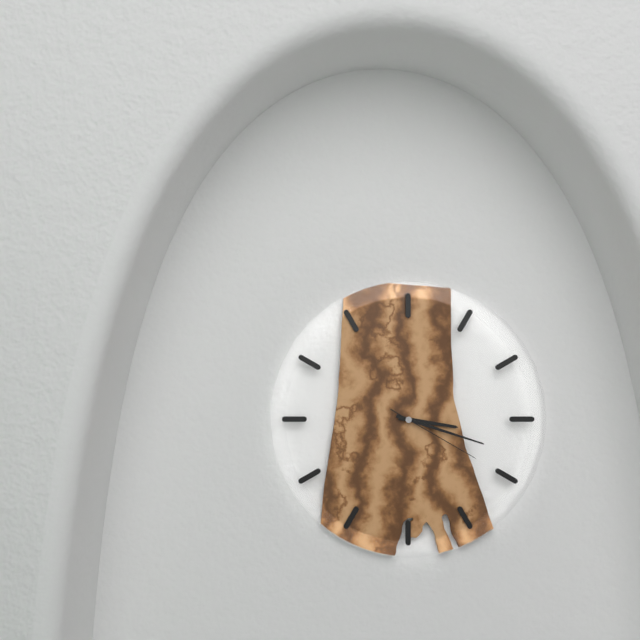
3:18:20
